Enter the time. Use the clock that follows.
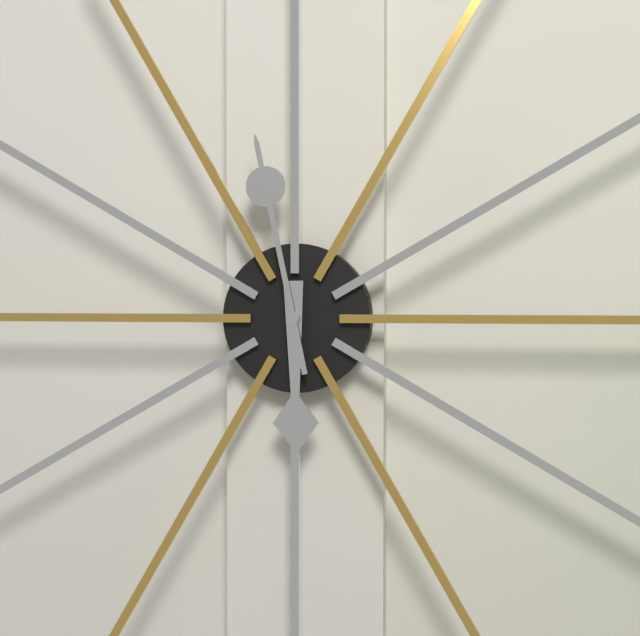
5:58
